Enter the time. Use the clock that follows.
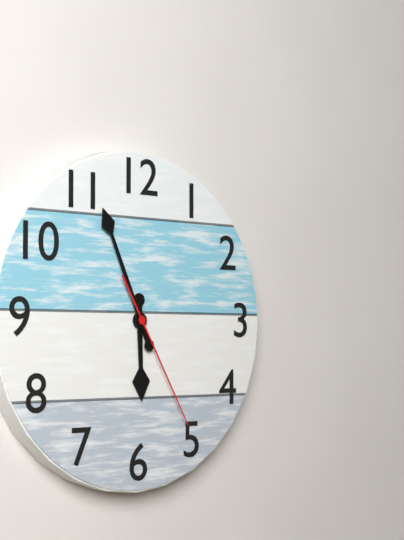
5:56:25
